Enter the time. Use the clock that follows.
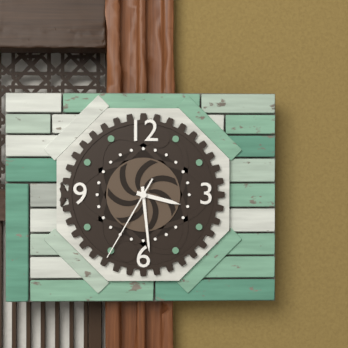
3:29:35
